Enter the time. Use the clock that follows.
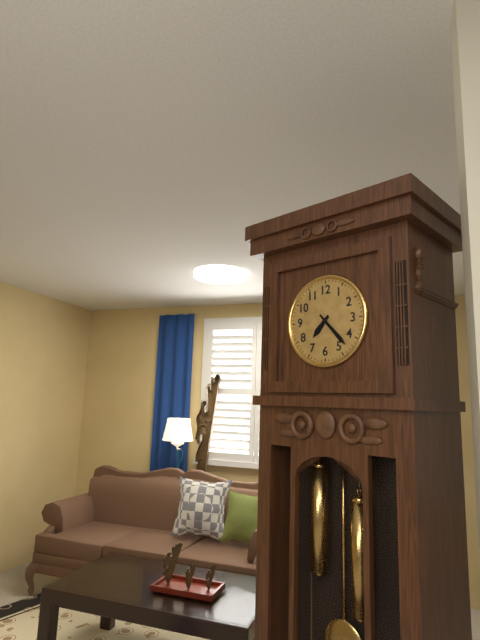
7:23
